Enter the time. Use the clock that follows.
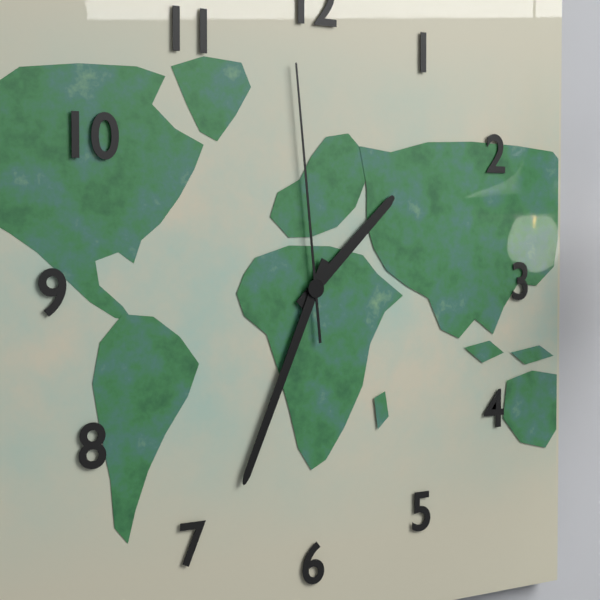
1:34:59
